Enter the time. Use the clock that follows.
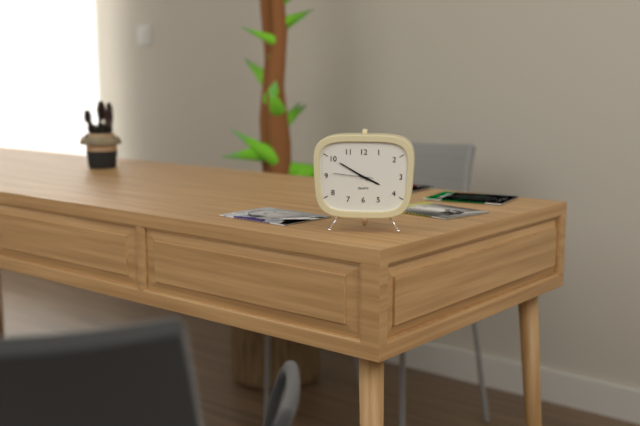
3:50
